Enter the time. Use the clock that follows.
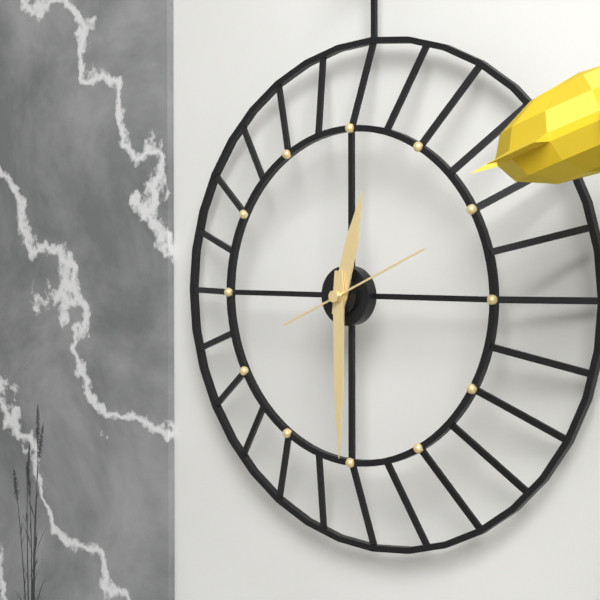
12:30:11
